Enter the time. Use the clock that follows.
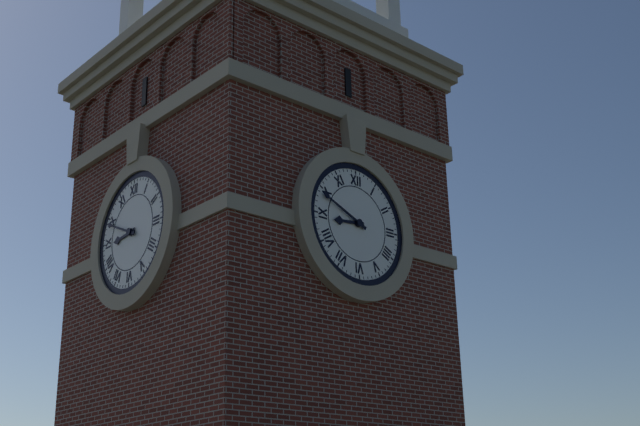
8:49
